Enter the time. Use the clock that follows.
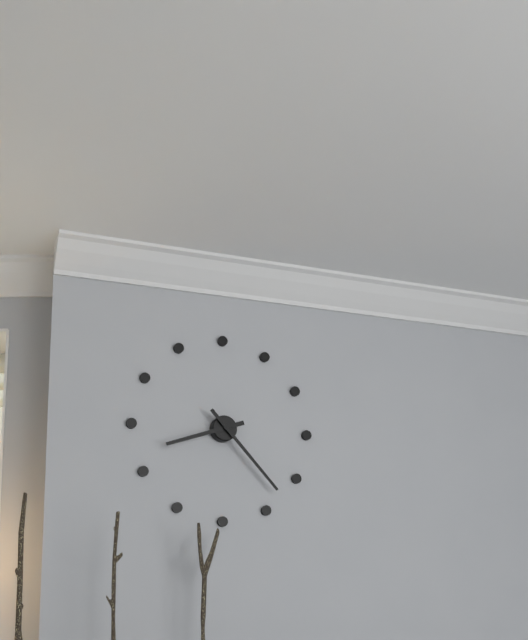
8:23
